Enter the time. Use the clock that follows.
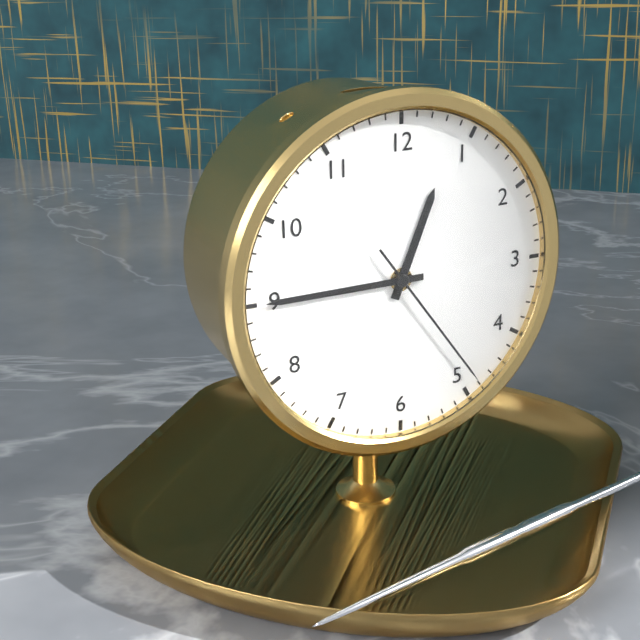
12:45:24
